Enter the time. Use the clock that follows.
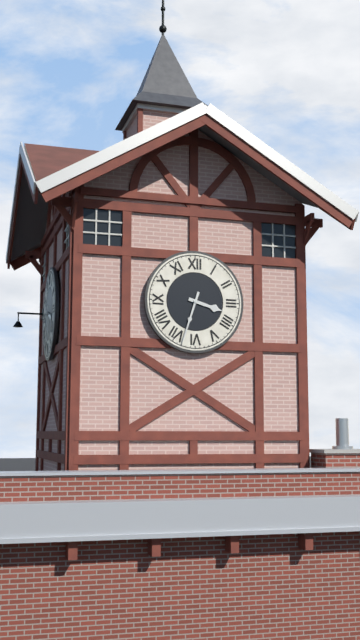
3:33
